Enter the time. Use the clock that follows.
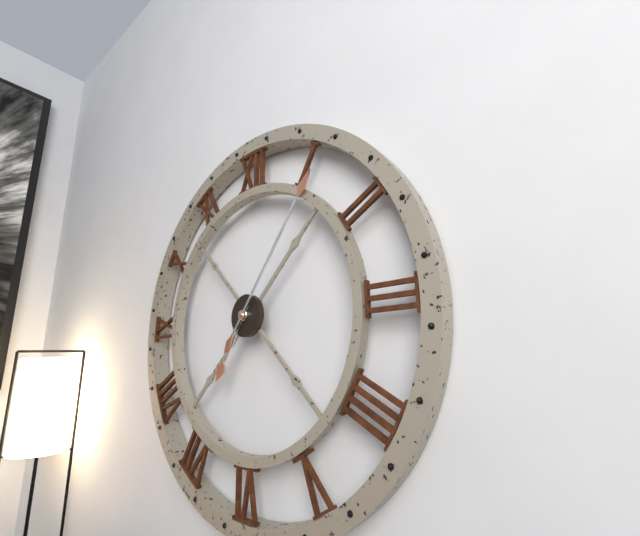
7:06
